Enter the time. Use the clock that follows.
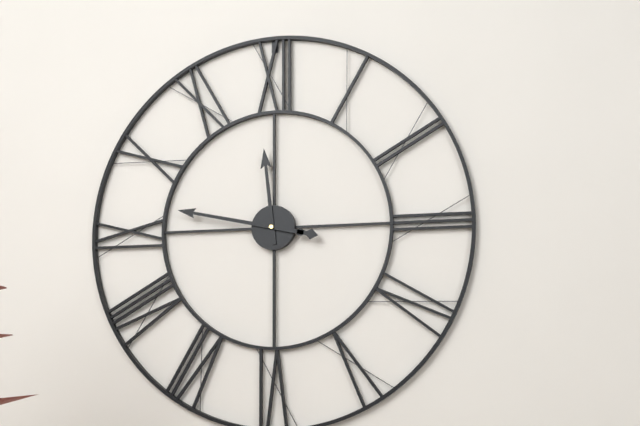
11:47
